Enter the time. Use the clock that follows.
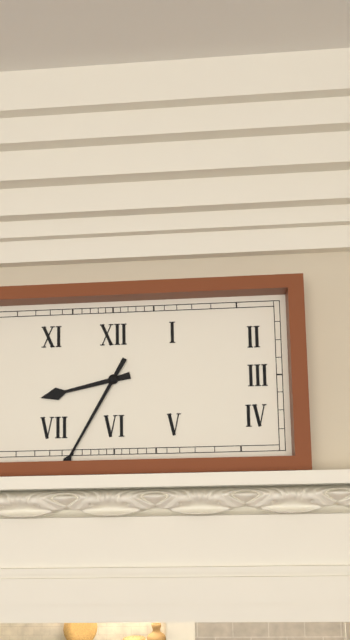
8:35
